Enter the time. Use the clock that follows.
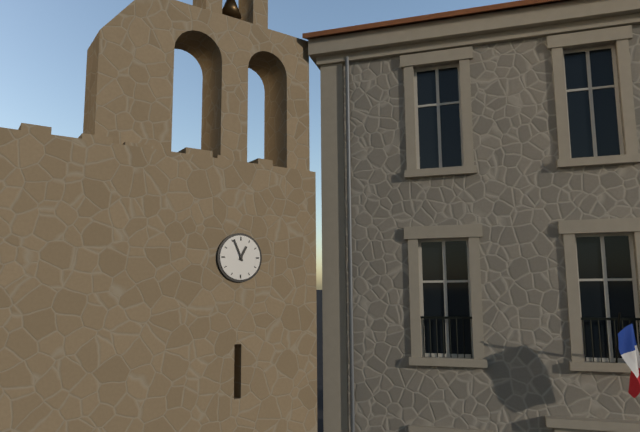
12:56
